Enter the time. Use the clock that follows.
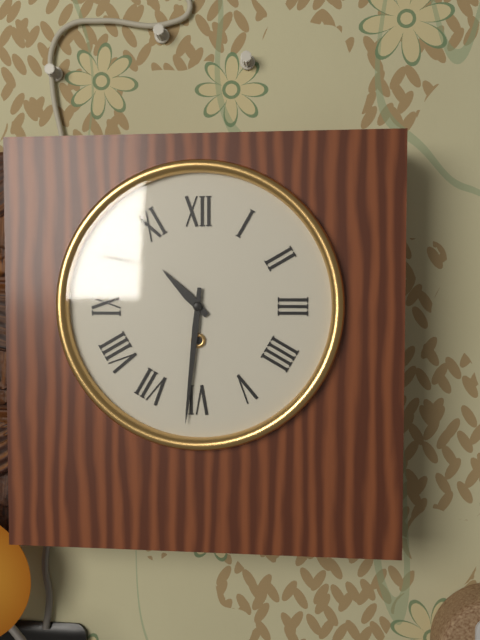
10:31
